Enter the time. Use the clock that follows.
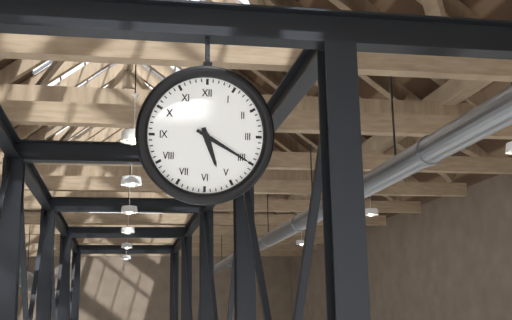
5:20
